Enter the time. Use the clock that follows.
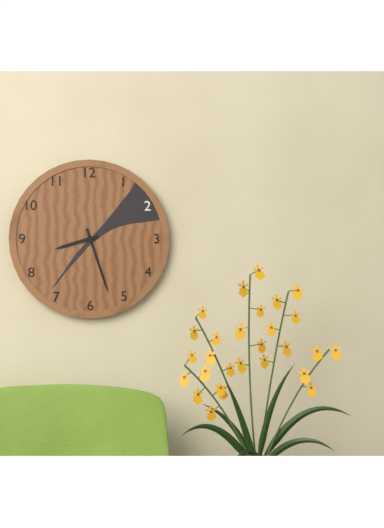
8:27
